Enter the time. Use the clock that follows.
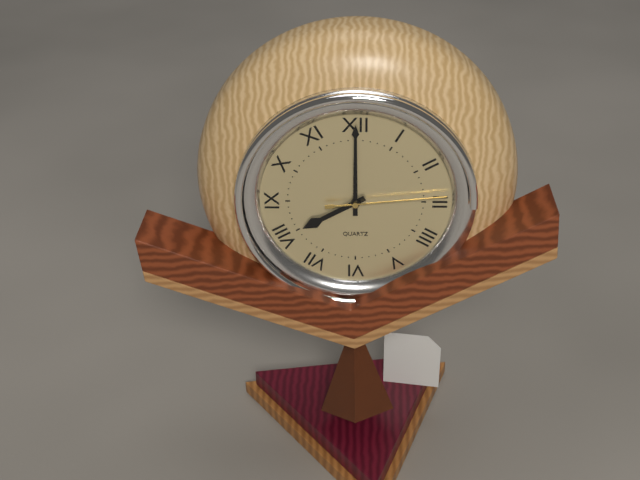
8:00:14
